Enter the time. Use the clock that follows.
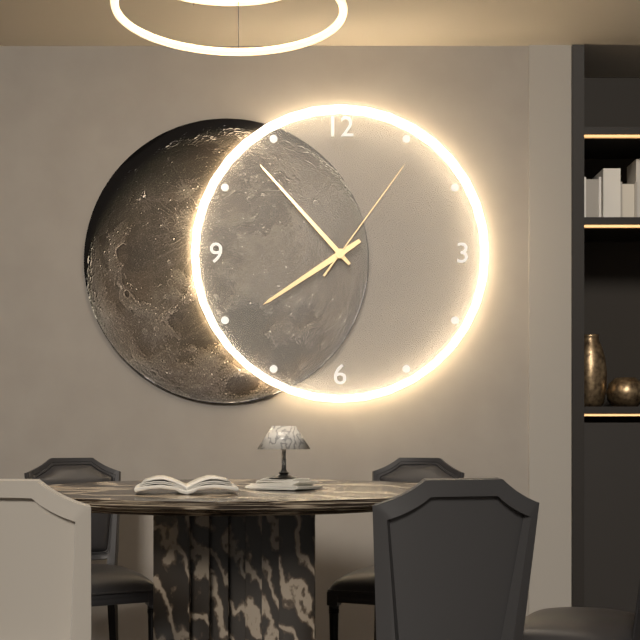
7:53:06
